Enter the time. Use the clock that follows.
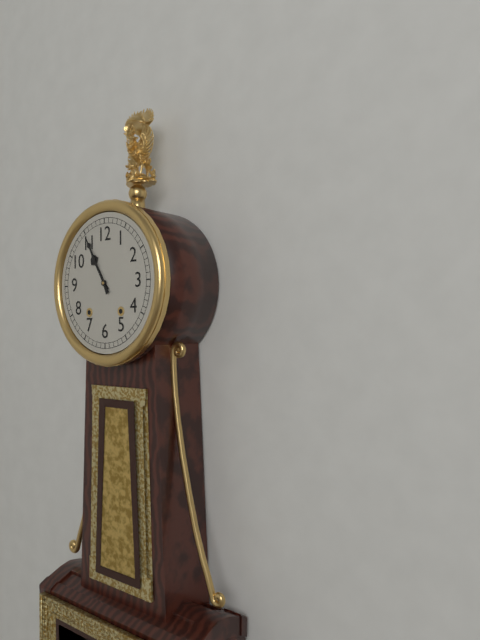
10:55
